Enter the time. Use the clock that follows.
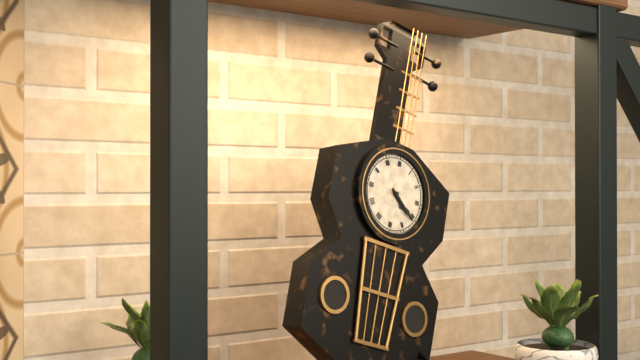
4:21
